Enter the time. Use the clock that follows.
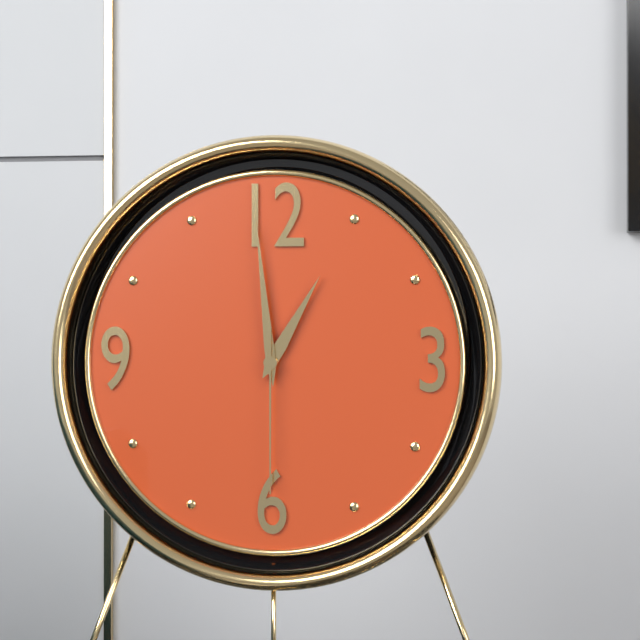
12:59:30
